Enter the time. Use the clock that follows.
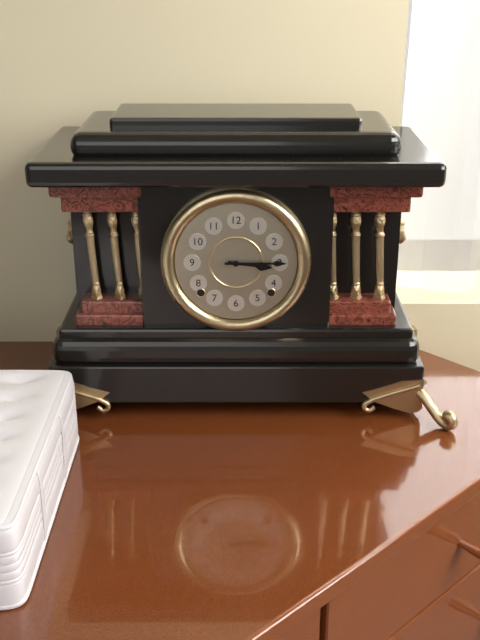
3:15
